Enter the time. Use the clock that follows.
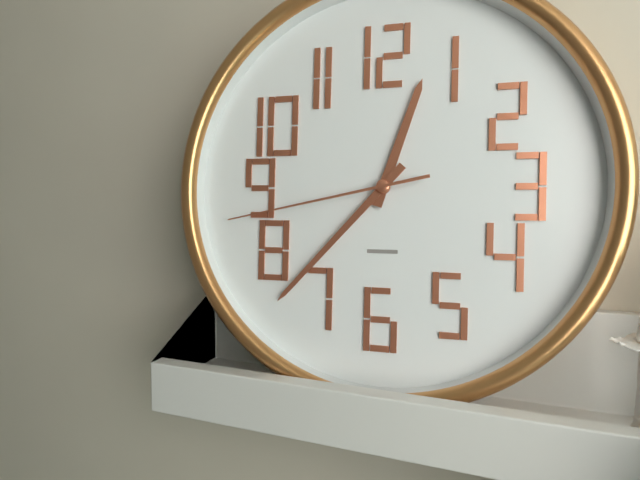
12:37:43
